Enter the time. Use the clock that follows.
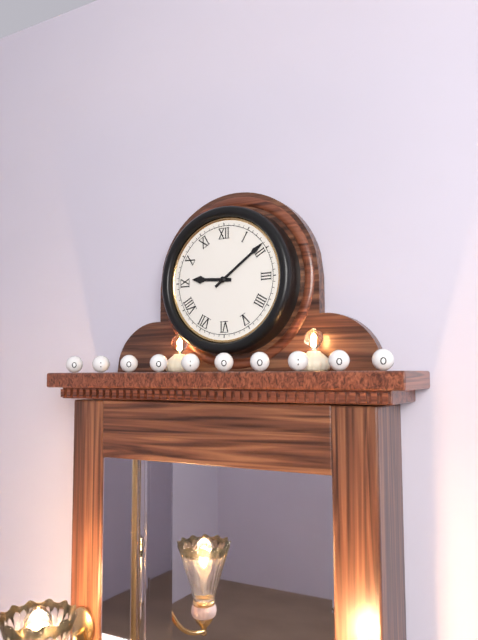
9:09
